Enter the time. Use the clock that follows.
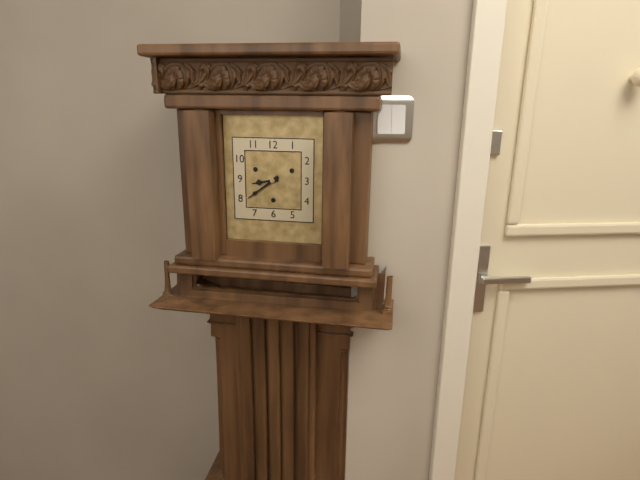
8:39
